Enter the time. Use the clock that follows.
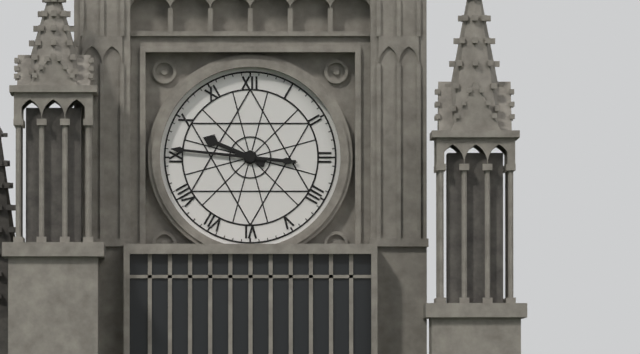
9:46
